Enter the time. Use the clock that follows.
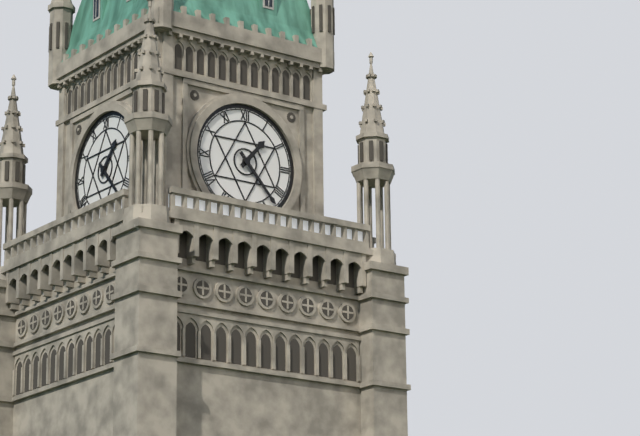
1:23
